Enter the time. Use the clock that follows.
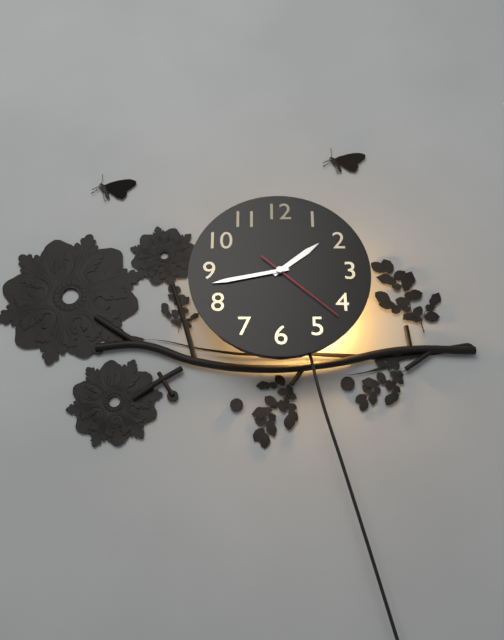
1:43:22
